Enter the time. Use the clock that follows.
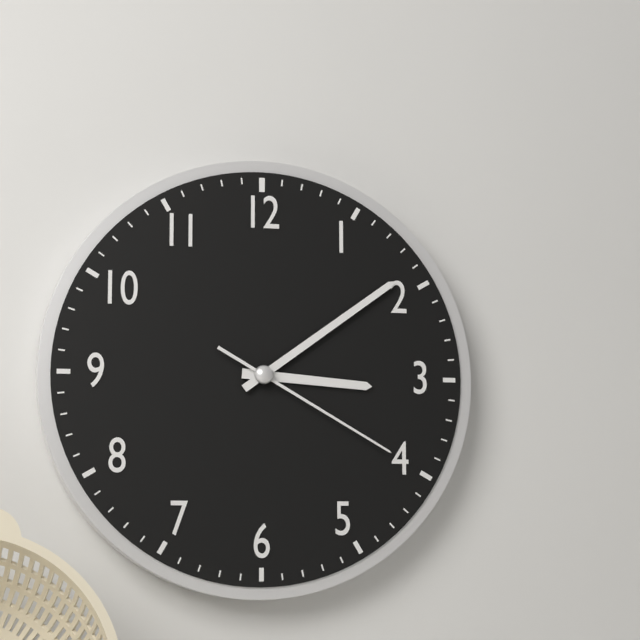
3:09:20
